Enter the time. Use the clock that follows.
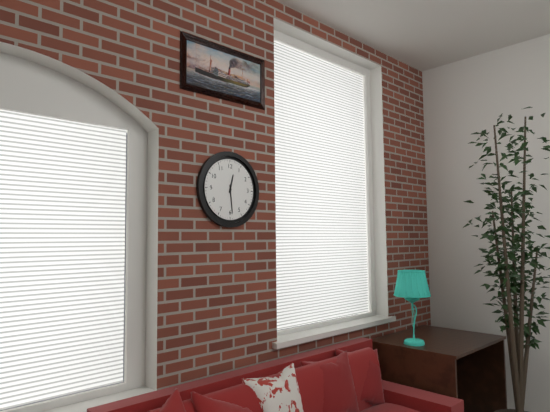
12:29
